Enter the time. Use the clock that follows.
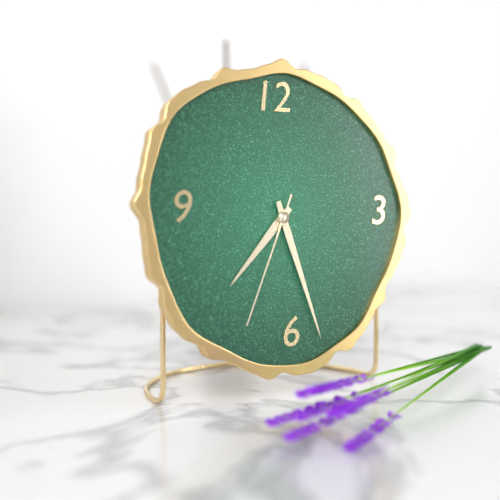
7:27:34
